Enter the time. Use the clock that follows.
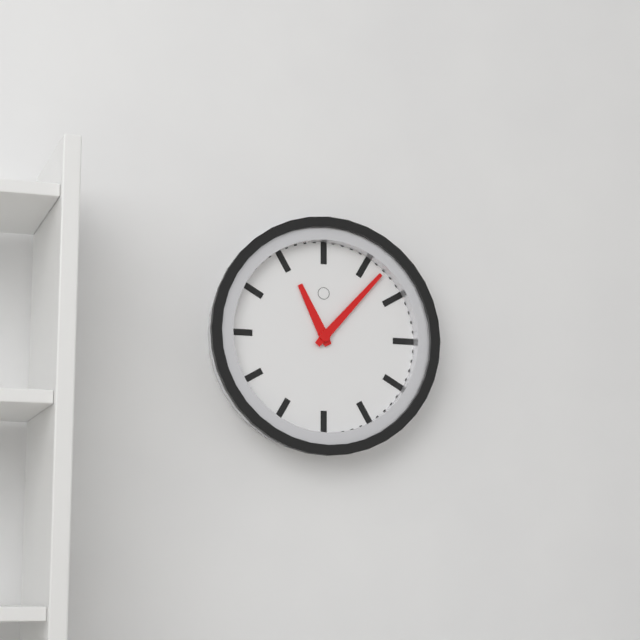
11:07
